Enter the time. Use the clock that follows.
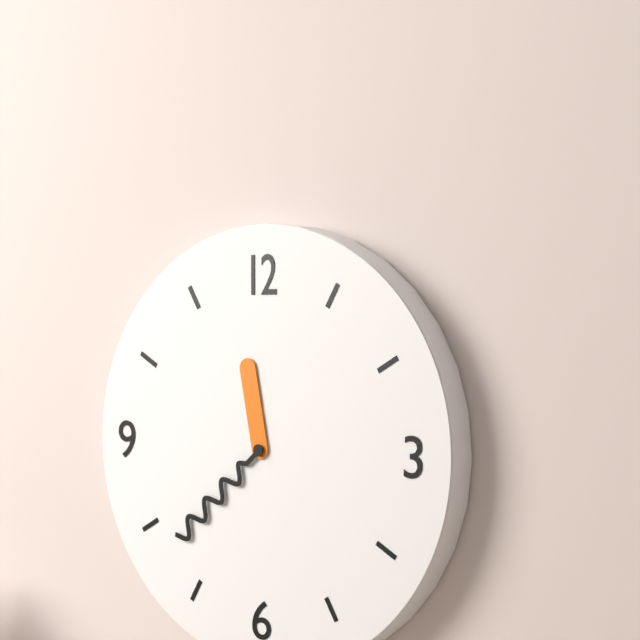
11:38
